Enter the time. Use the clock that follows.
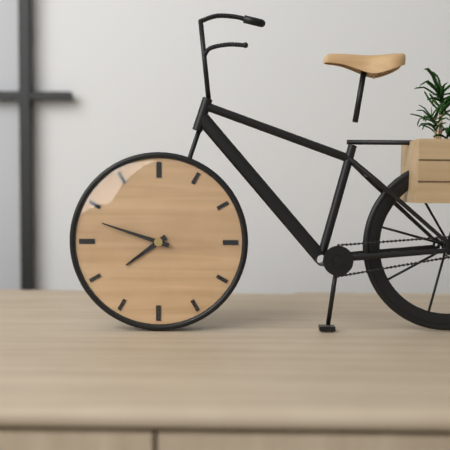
7:48
